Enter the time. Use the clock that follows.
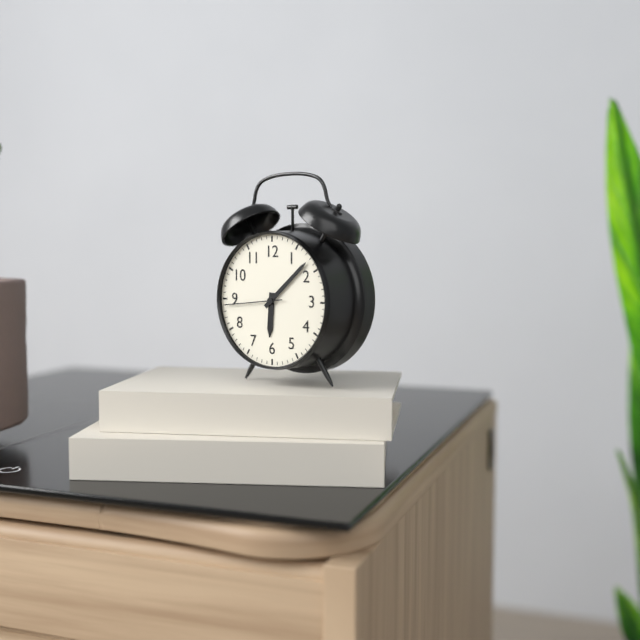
6:08:44
